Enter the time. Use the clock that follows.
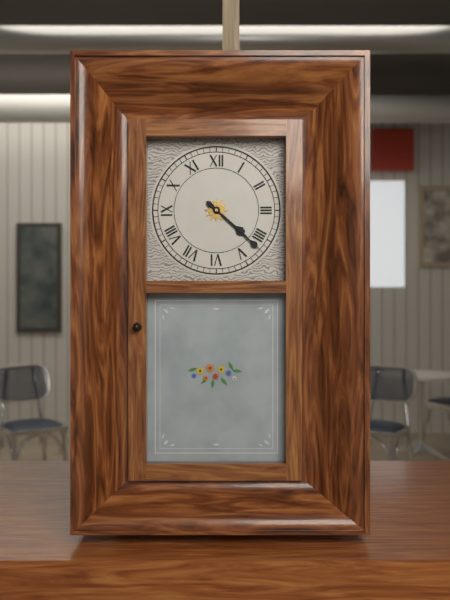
4:22
